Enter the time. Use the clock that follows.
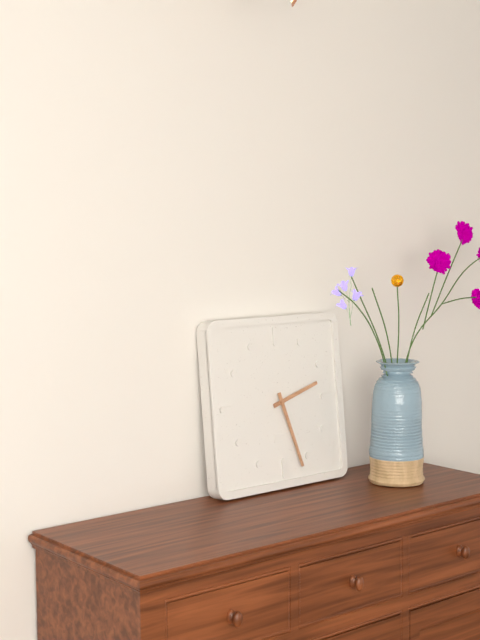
2:27
